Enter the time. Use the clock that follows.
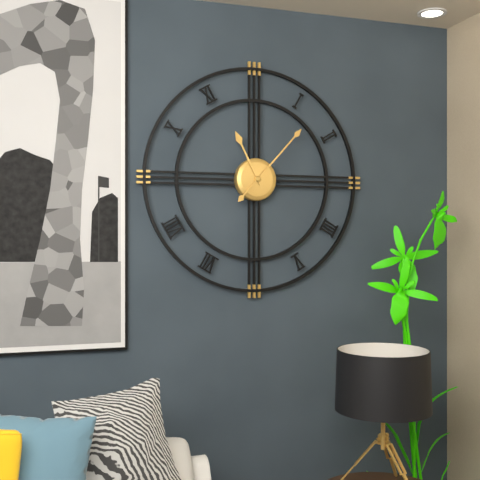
11:07
